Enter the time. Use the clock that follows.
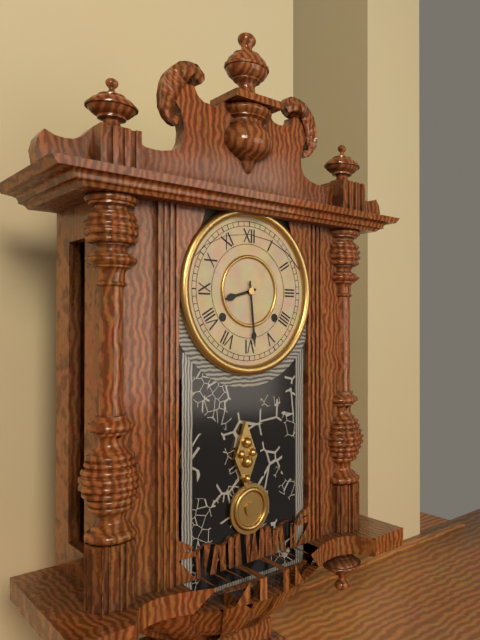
8:29
